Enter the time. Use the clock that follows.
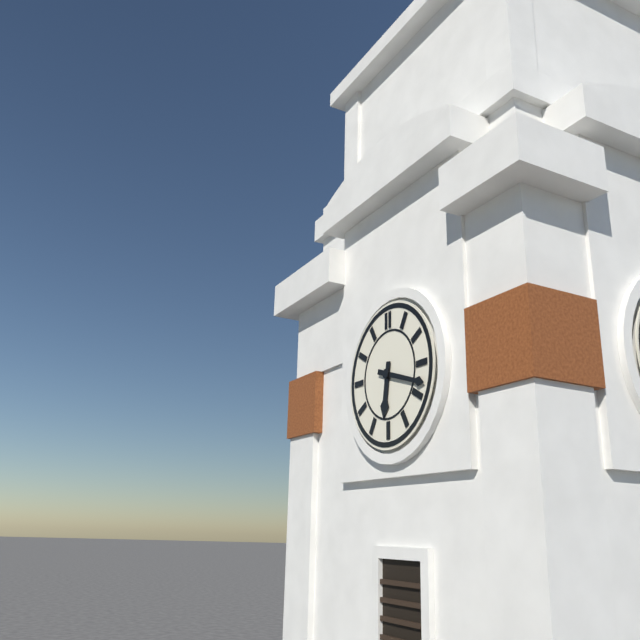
6:18
